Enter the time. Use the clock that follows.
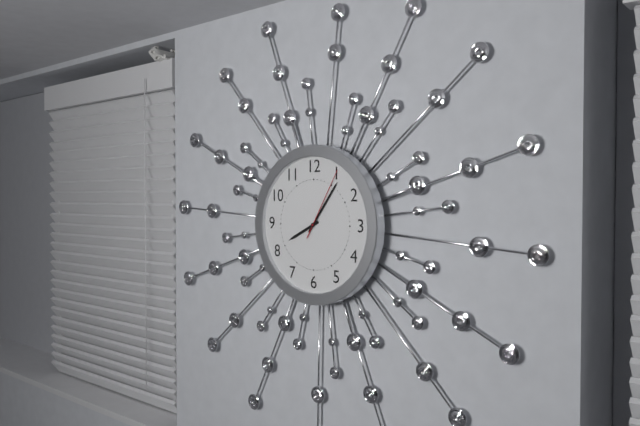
8:06:05
